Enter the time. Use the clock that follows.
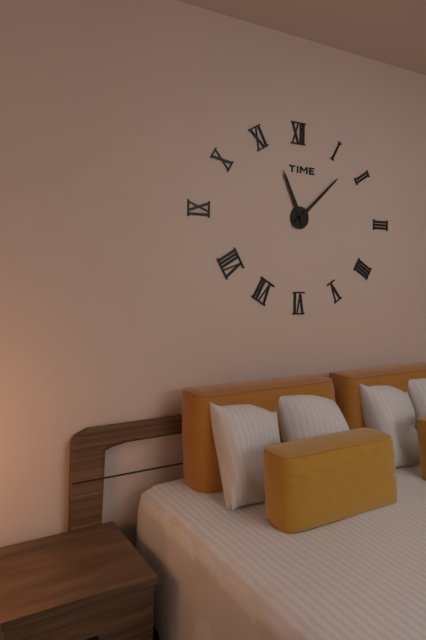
11:08
